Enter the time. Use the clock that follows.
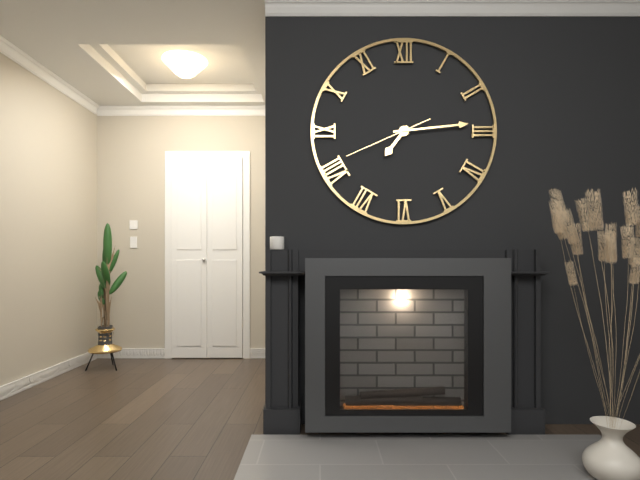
7:14:41
